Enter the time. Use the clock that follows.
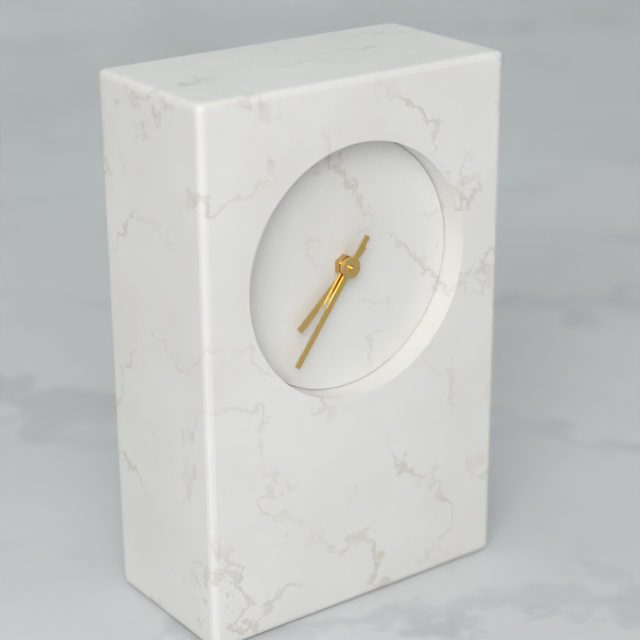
7:36
